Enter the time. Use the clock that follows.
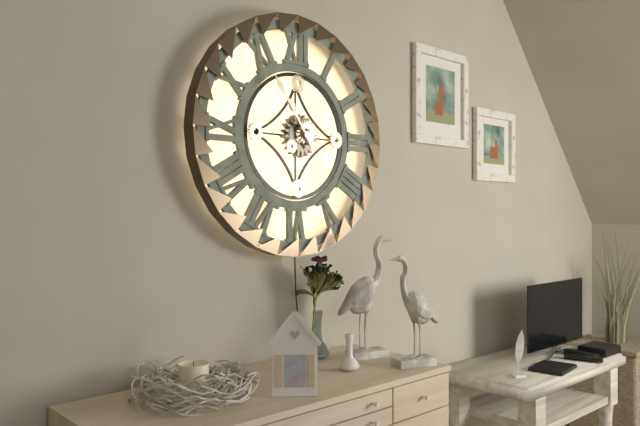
10:54
